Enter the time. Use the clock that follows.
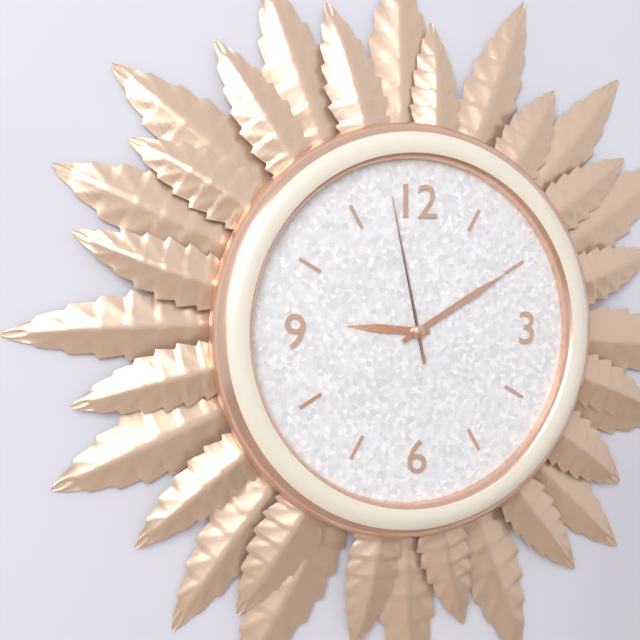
9:10:58
